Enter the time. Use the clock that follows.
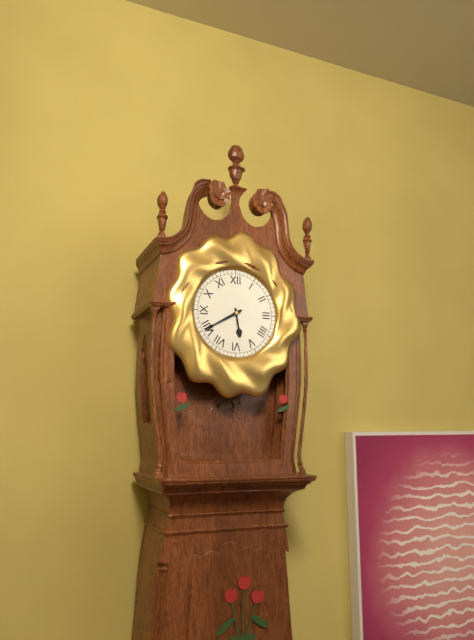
5:40
